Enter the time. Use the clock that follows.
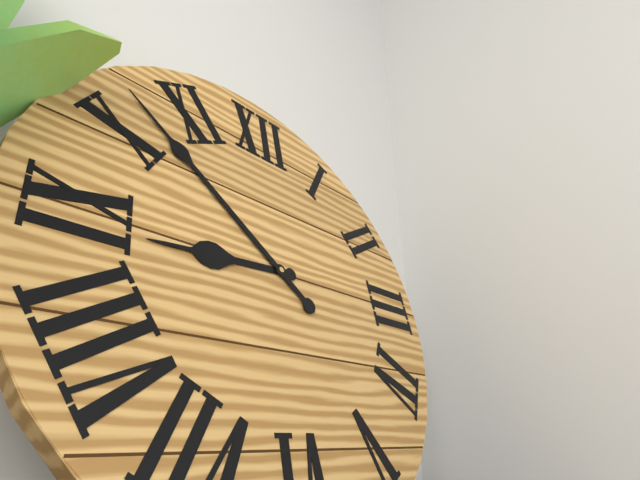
8:52
